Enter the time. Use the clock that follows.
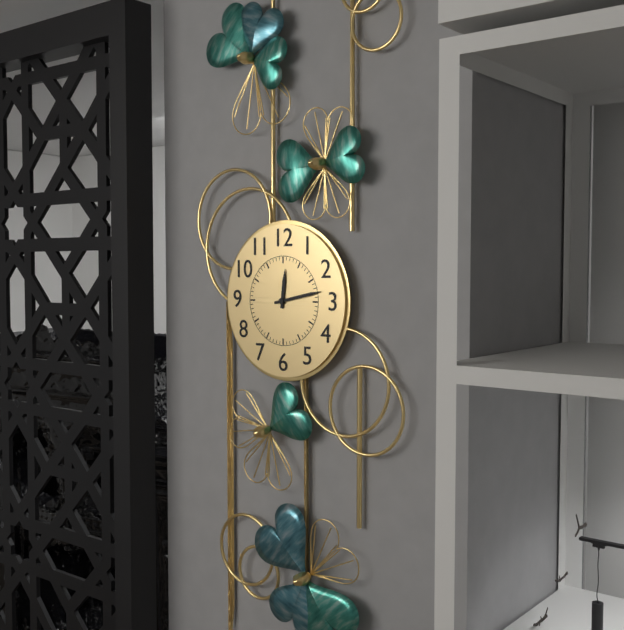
12:13
